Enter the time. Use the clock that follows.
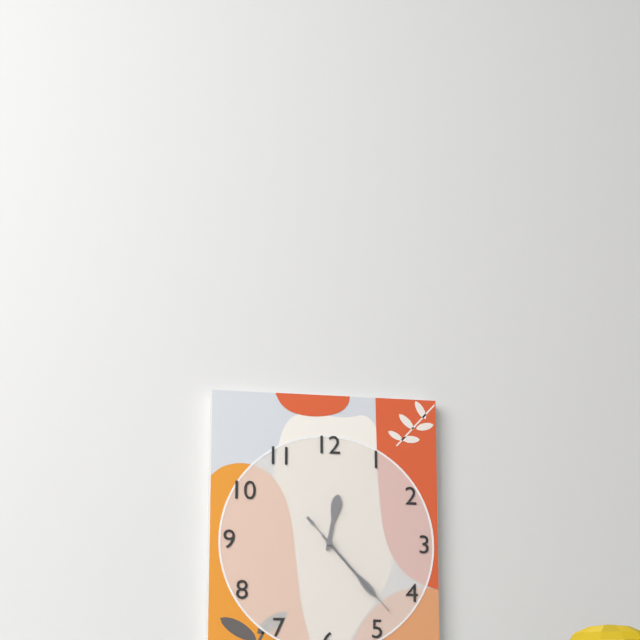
12:23:23
